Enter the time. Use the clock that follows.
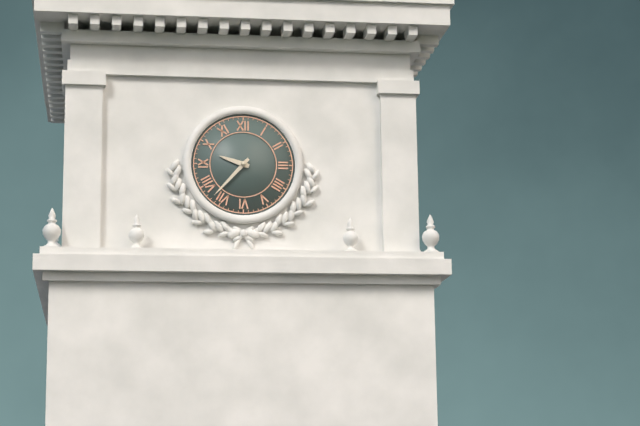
9:37
